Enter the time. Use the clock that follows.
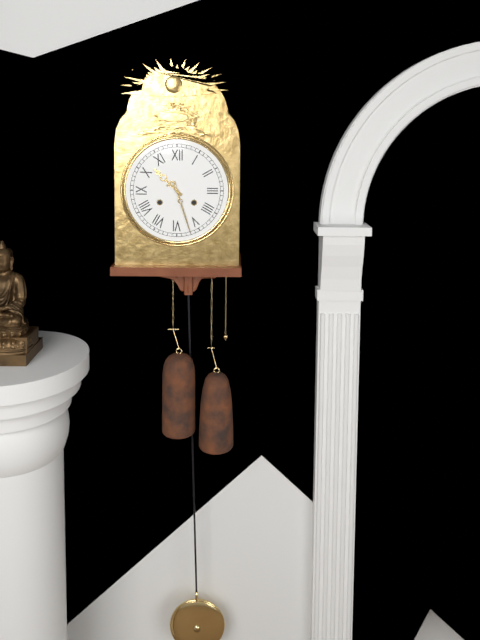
10:27
